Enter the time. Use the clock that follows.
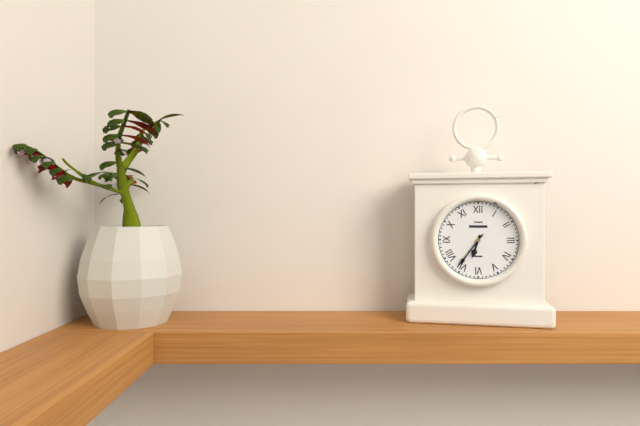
6:36
